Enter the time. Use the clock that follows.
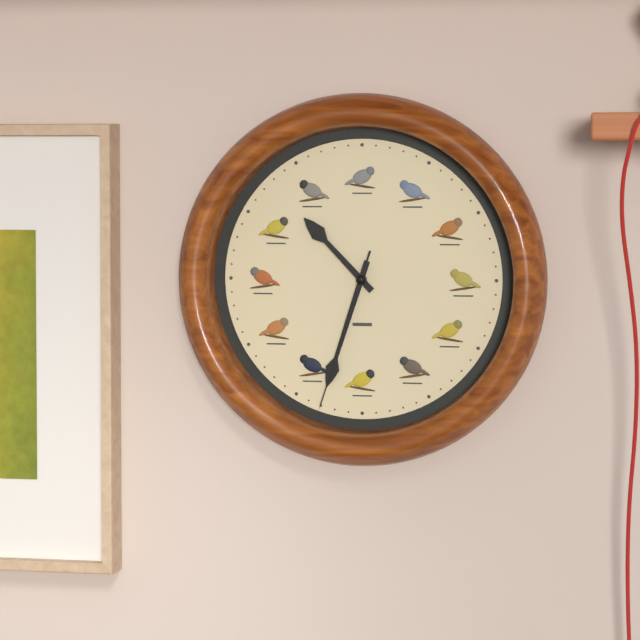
10:33:33
